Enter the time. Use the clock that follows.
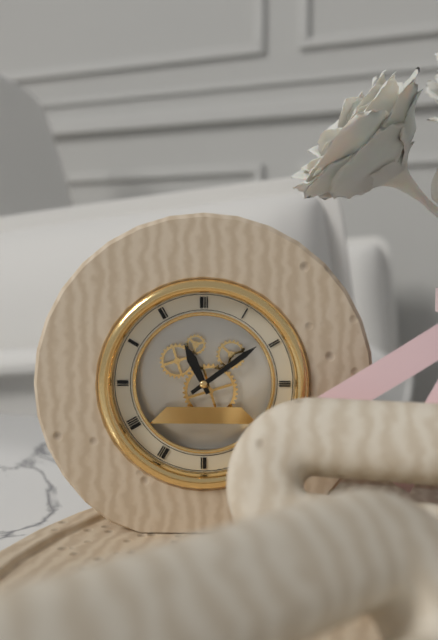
11:09
